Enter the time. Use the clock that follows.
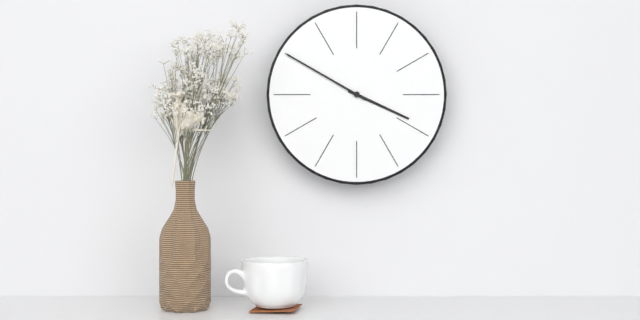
3:50
